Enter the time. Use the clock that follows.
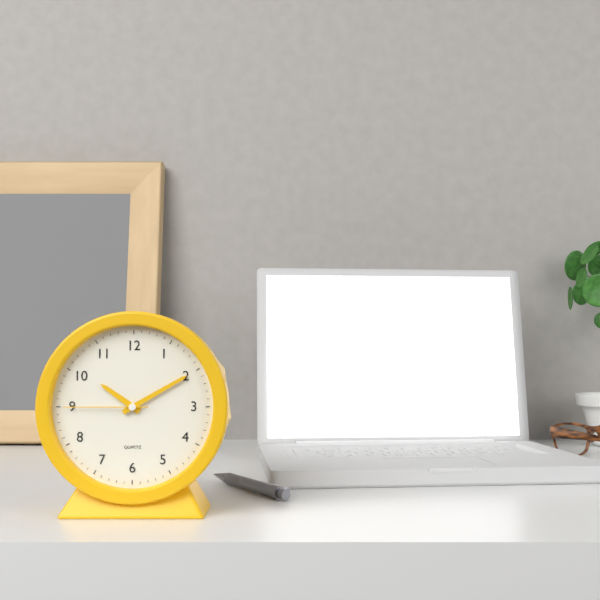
10:10:45
